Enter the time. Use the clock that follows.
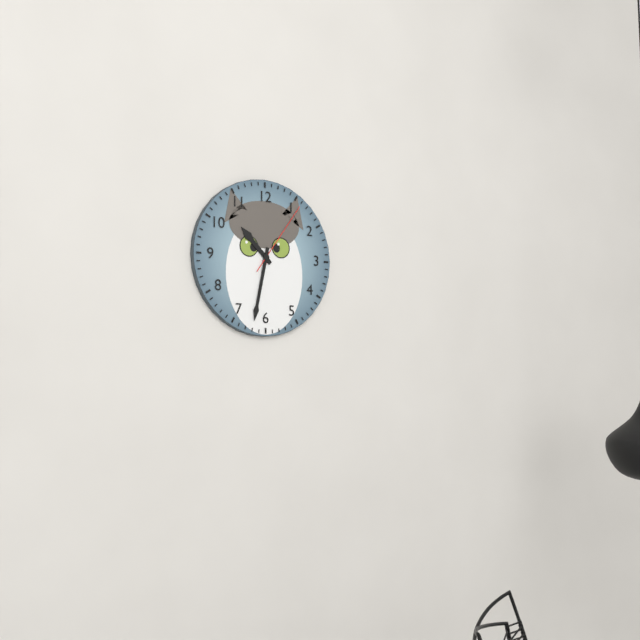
10:32:06
